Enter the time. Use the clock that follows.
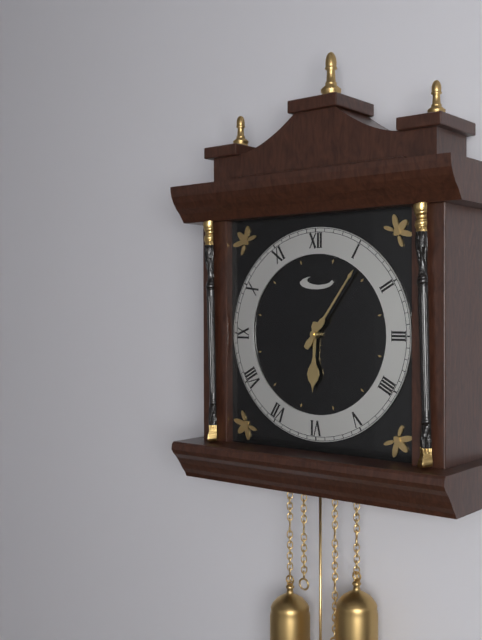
6:06
